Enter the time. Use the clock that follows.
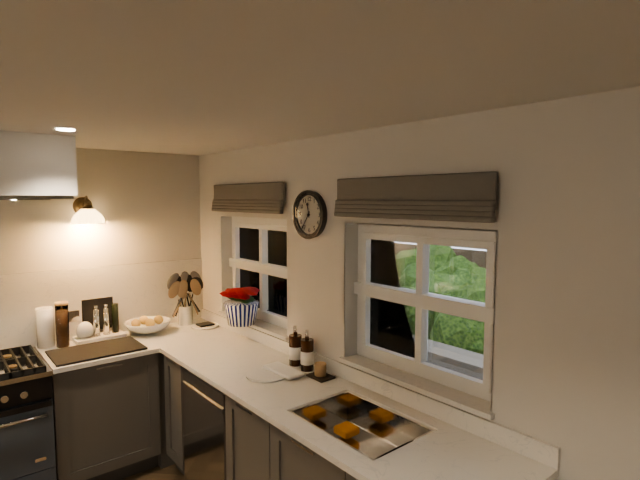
11:36
